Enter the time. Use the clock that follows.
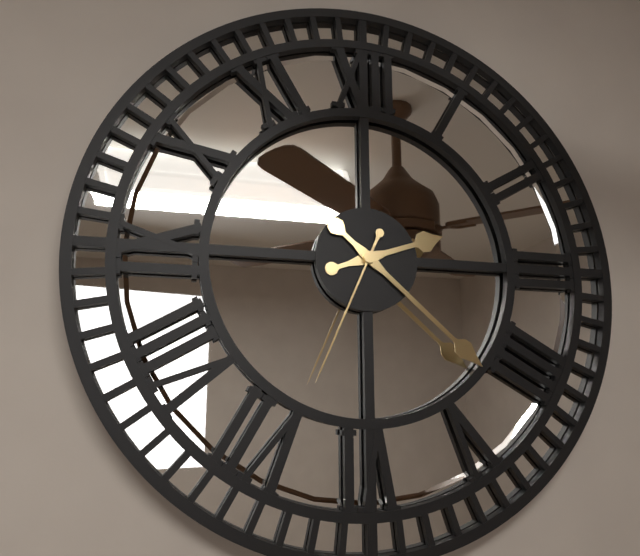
2:22:34
